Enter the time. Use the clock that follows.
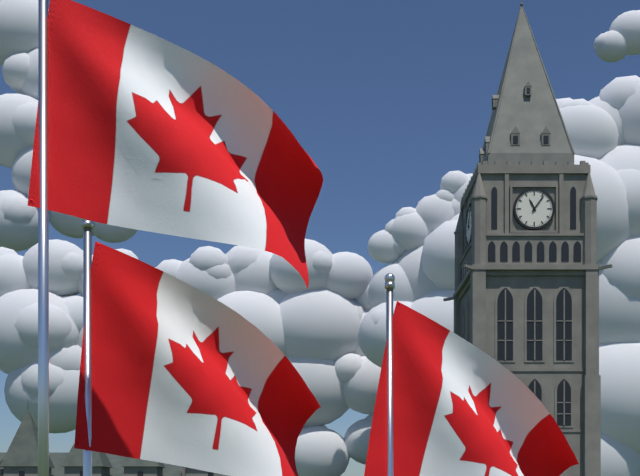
11:06
